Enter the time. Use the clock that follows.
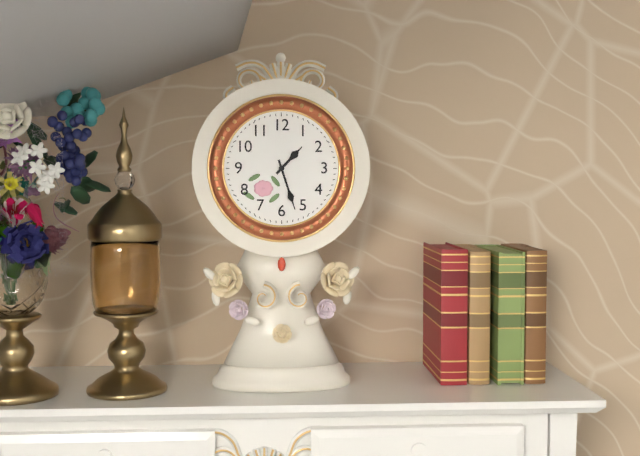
1:27
